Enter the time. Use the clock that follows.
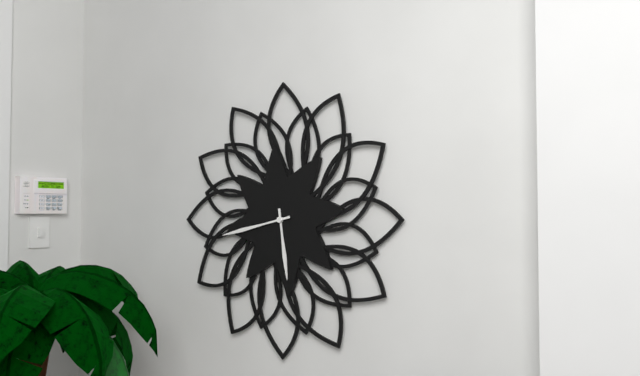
5:43
